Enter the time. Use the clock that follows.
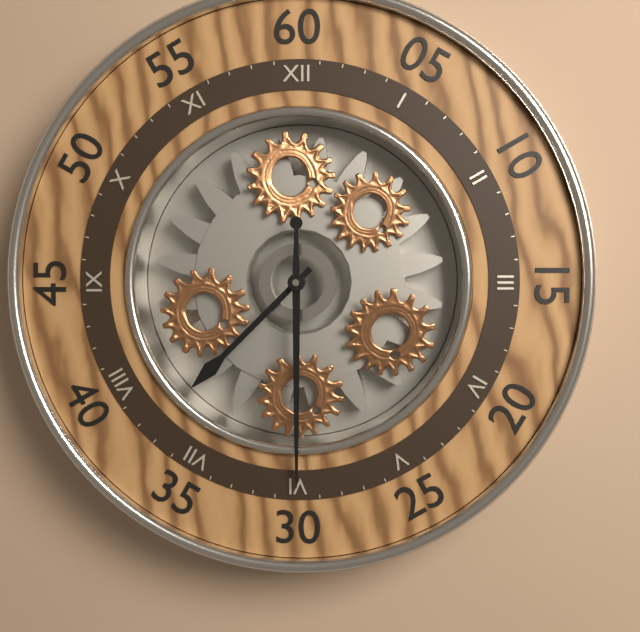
7:30
